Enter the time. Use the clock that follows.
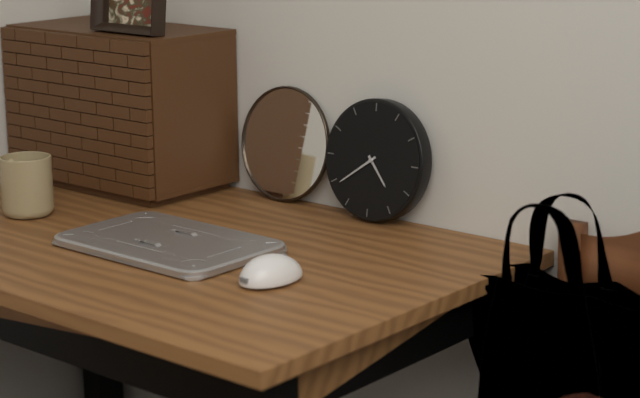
4:39
